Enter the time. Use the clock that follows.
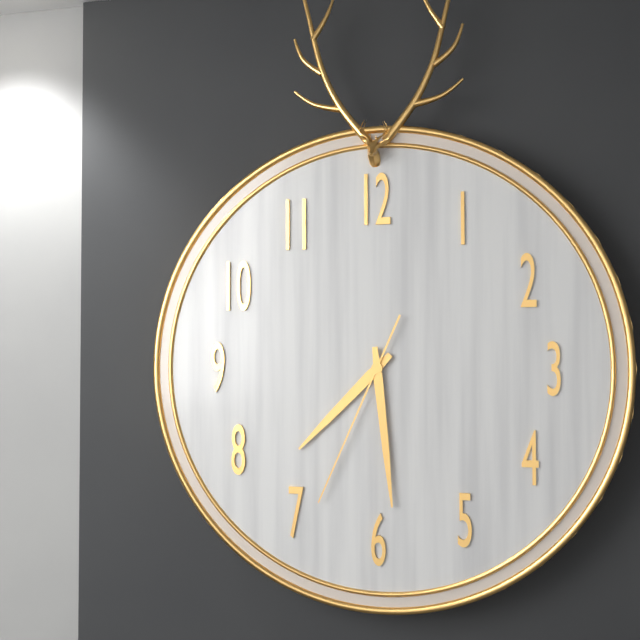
7:29:34
